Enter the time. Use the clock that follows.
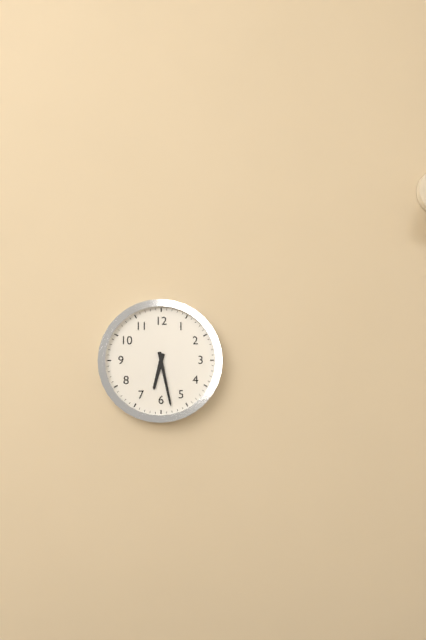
6:28
